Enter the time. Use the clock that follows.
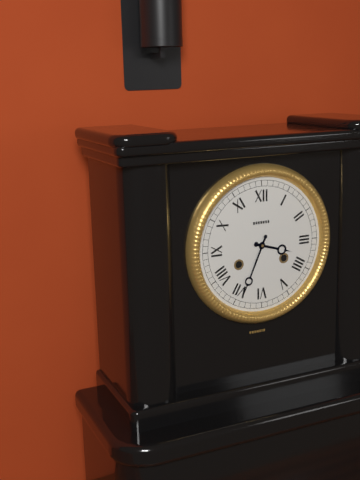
3:34
